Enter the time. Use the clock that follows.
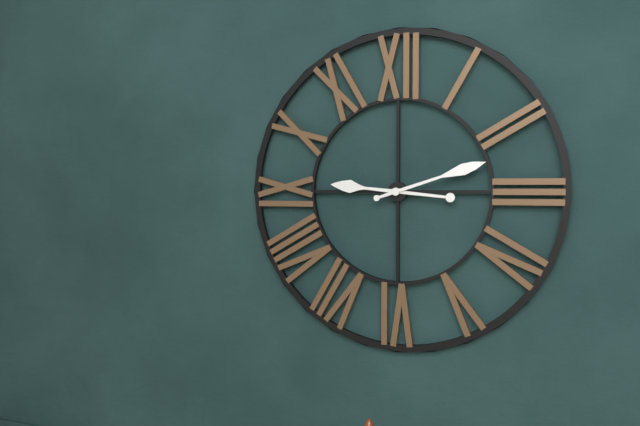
9:12
